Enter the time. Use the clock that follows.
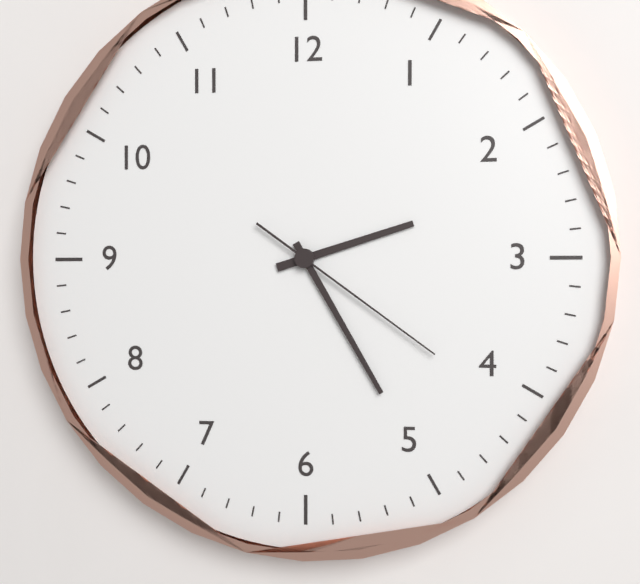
2:25:21
